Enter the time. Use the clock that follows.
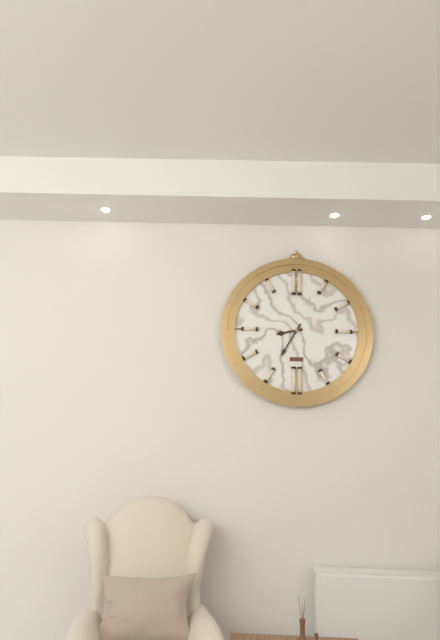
8:35
